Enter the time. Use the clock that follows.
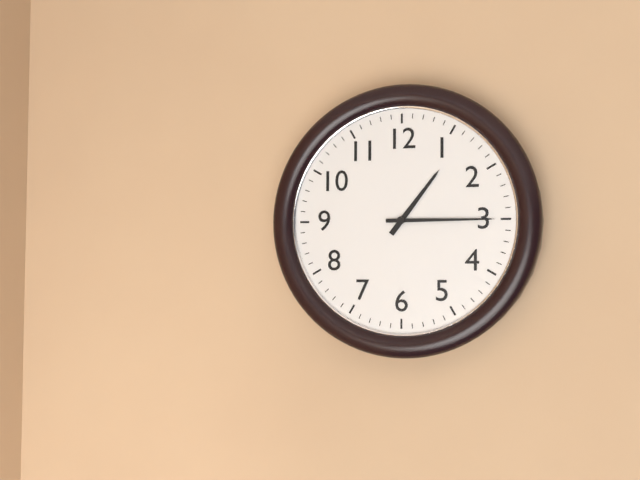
1:15
